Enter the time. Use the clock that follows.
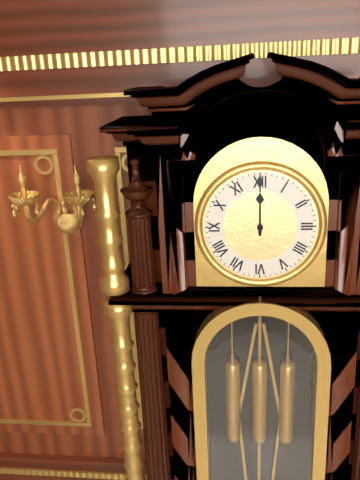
12:00
